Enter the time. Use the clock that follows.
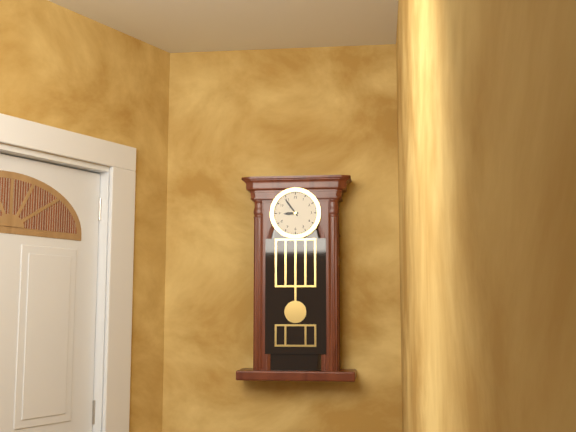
8:54
